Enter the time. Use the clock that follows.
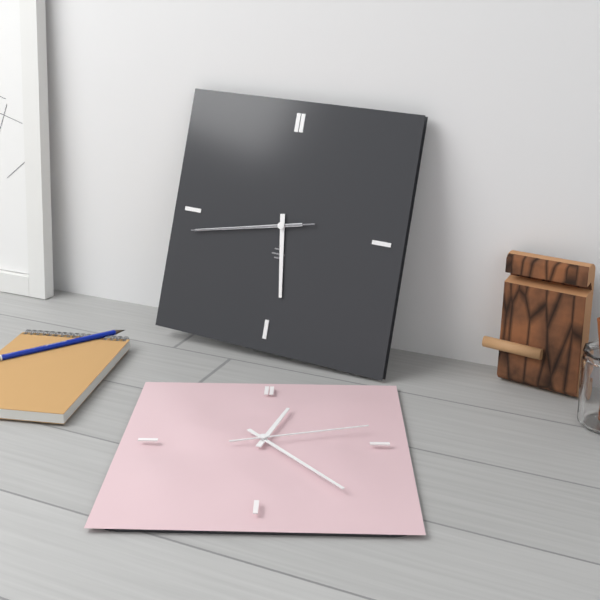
5:43:43
